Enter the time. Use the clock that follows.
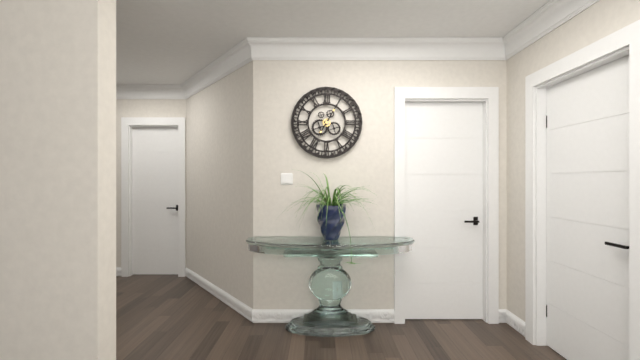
7:05
